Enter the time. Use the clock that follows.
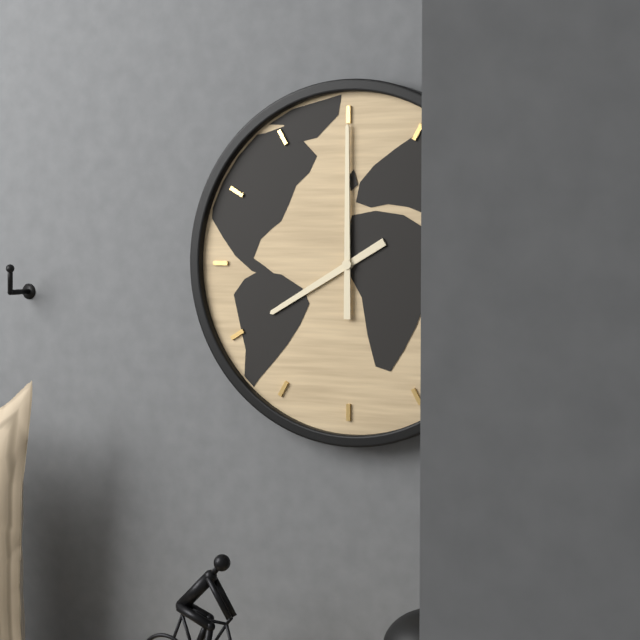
8:00
